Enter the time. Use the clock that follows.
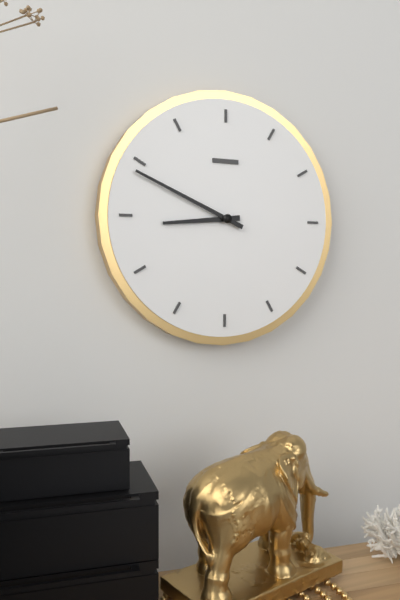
8:49
